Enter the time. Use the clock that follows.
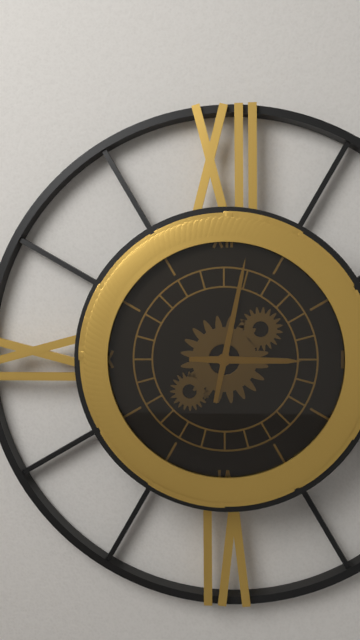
3:02
